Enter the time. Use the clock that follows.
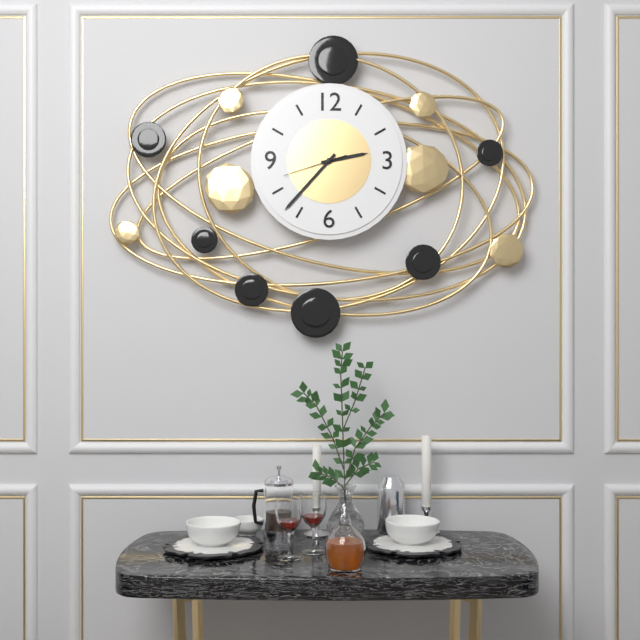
2:37:42
